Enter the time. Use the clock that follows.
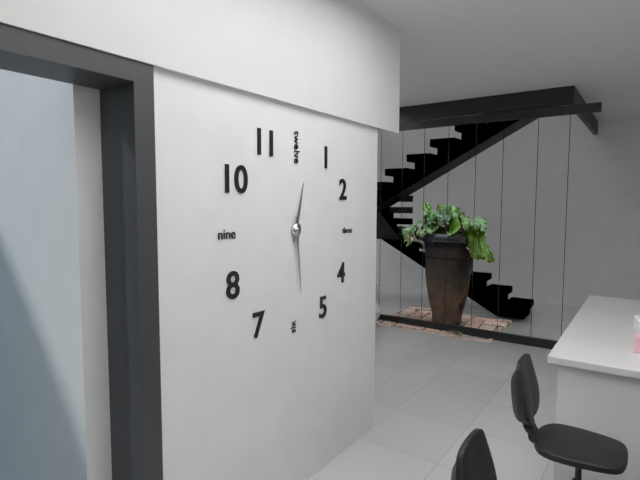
12:29
